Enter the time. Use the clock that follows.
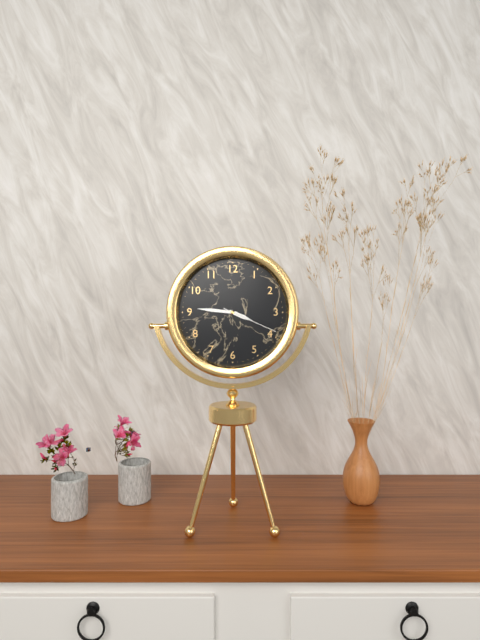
3:46:19
